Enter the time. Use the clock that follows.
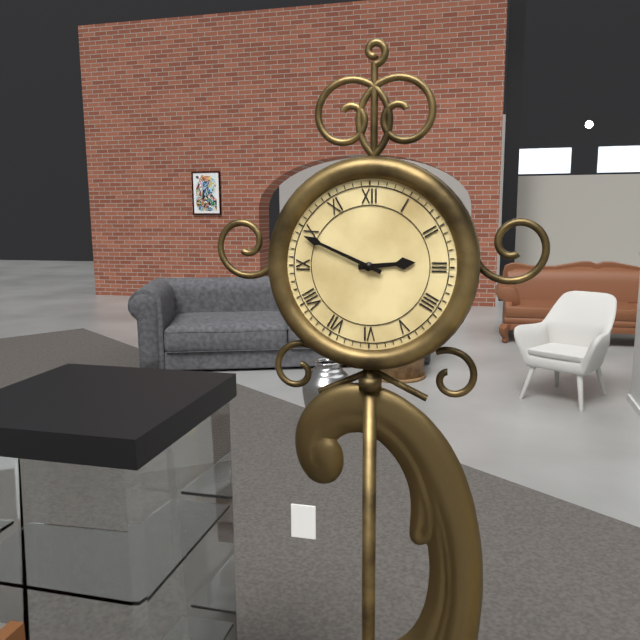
2:49
